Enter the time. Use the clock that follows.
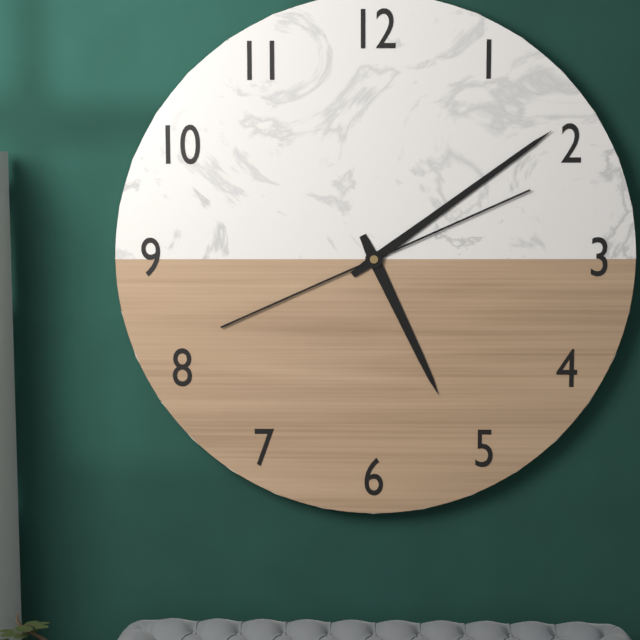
5:09
